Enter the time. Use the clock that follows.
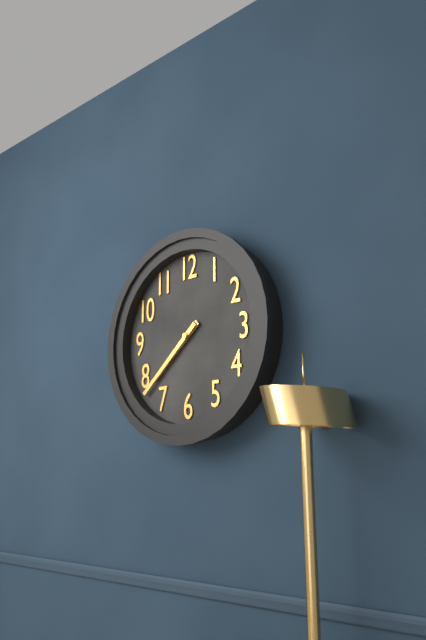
7:38
